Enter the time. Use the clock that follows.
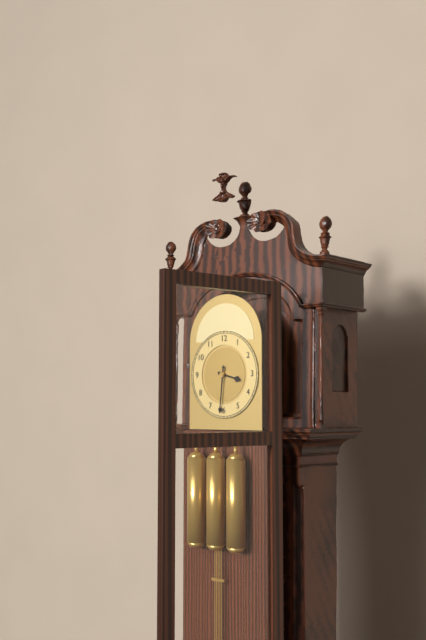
3:31
